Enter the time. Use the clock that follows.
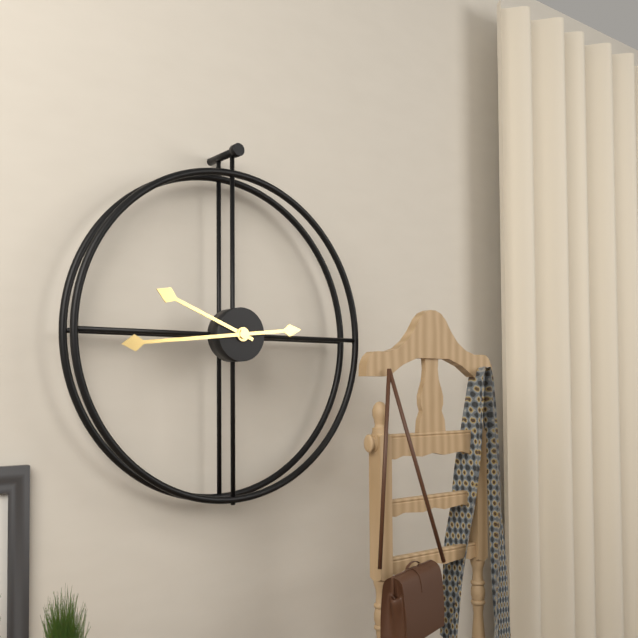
9:44
